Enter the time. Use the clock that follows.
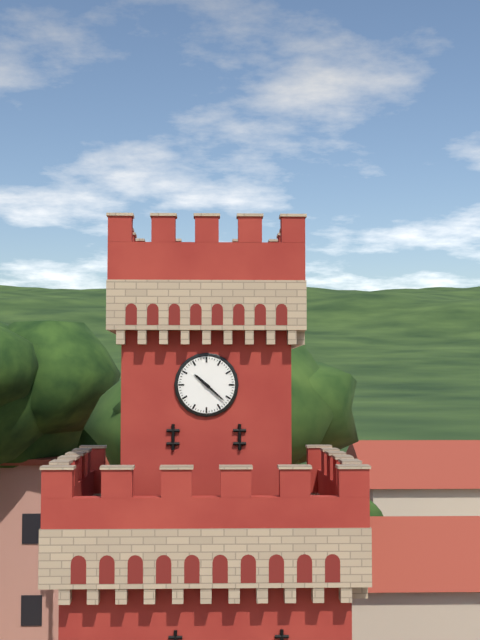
10:22
